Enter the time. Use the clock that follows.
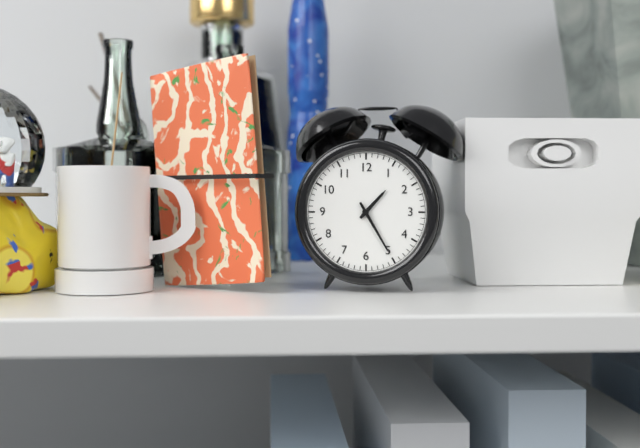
1:25
